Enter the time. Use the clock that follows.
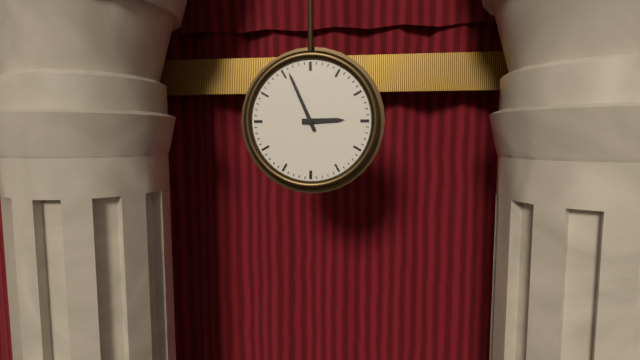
2:56
